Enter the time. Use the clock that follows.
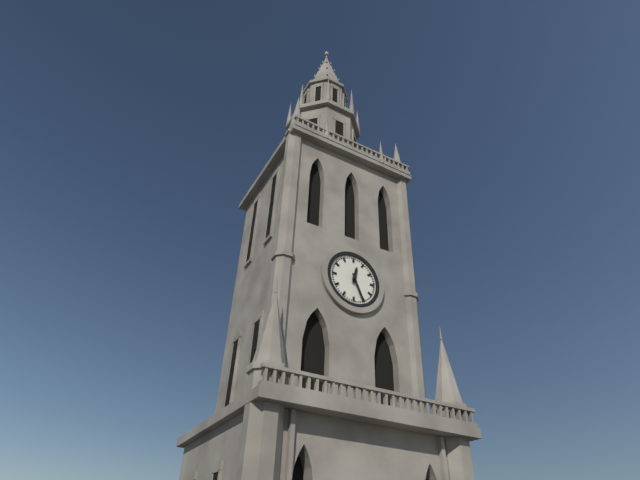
12:26
